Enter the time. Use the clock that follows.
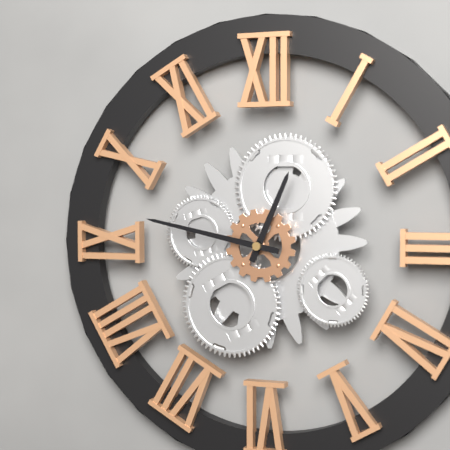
12:47
